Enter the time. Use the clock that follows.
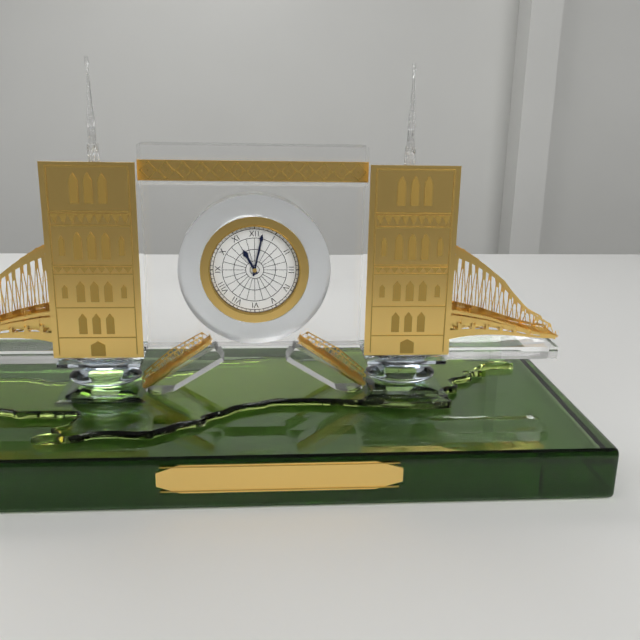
11:02
